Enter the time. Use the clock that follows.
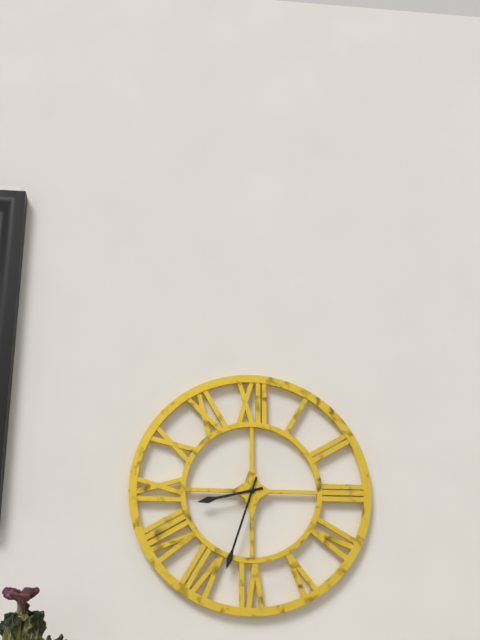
8:33
